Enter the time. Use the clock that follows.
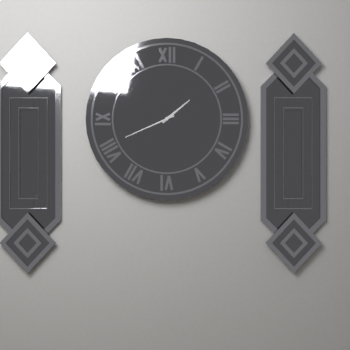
1:41
